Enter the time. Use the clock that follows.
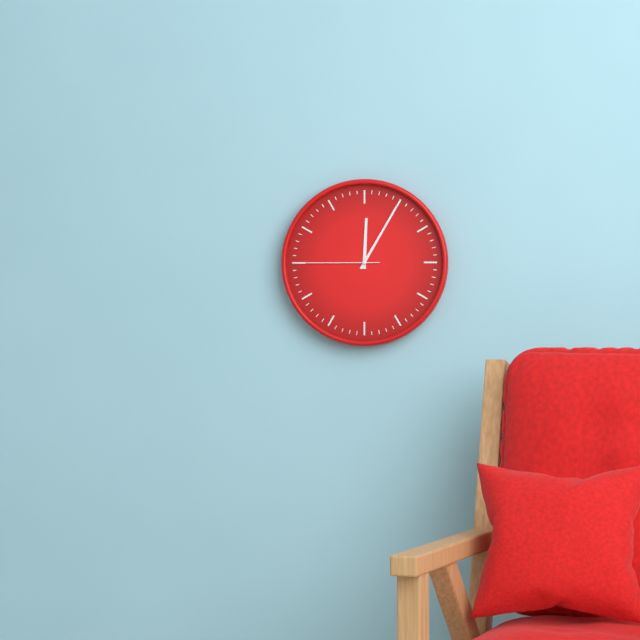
12:05:45
